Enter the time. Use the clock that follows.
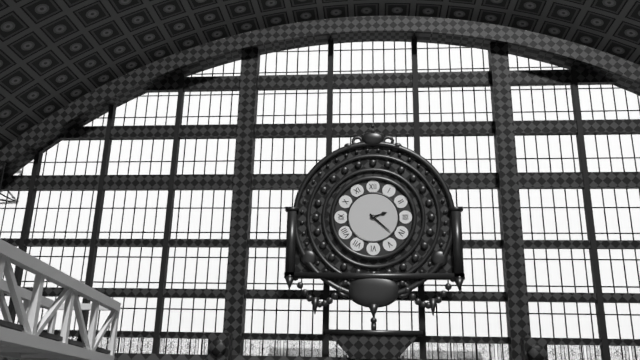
2:22
